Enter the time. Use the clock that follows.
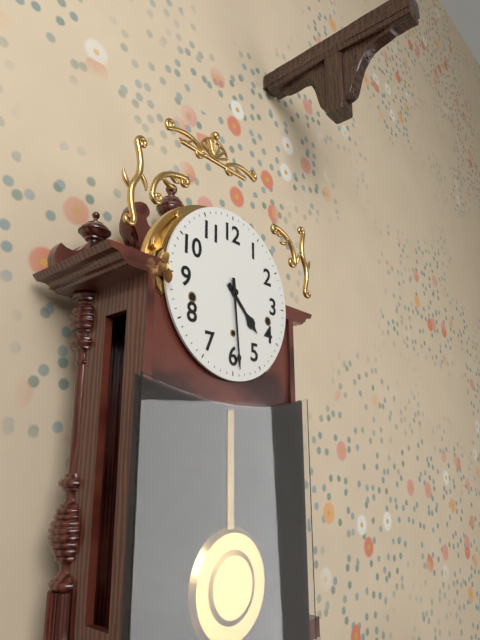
4:29
